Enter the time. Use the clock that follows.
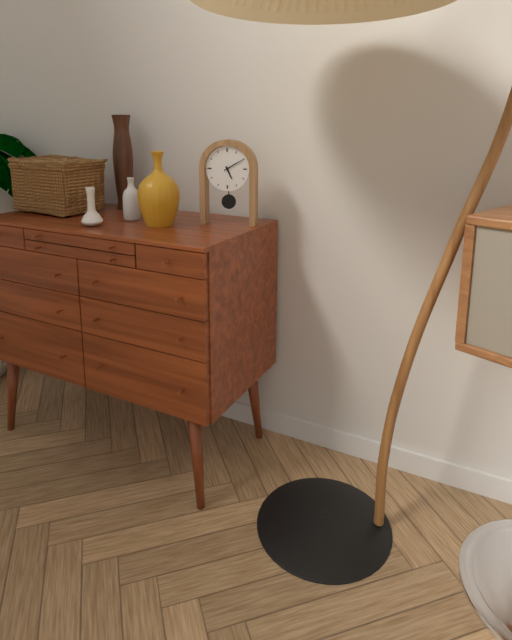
5:10
